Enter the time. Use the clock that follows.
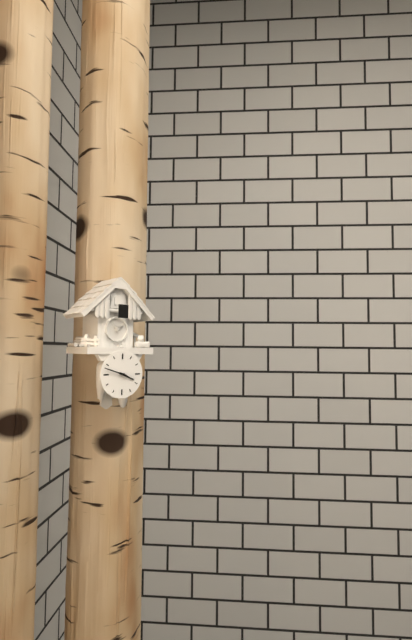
3:48
